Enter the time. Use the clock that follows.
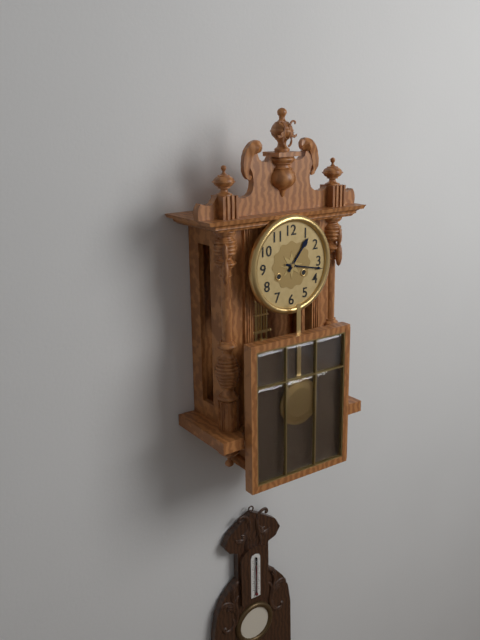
1:17
